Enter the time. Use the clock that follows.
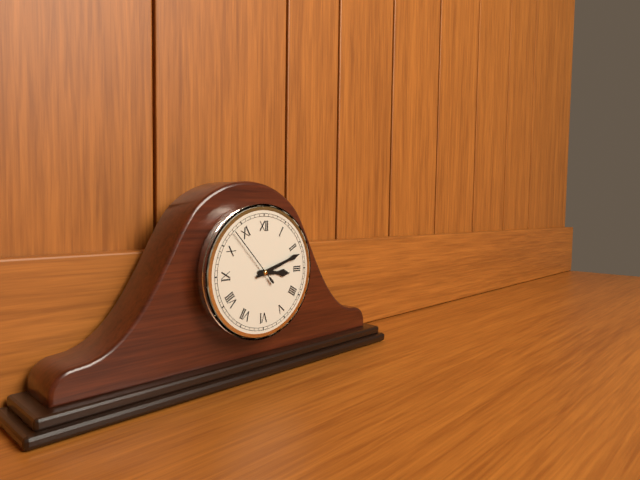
3:12:53
